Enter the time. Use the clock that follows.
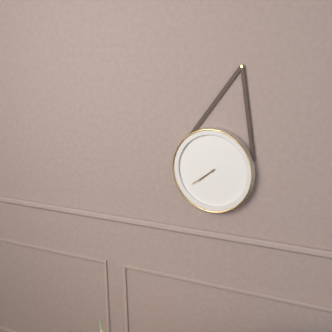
7:39
